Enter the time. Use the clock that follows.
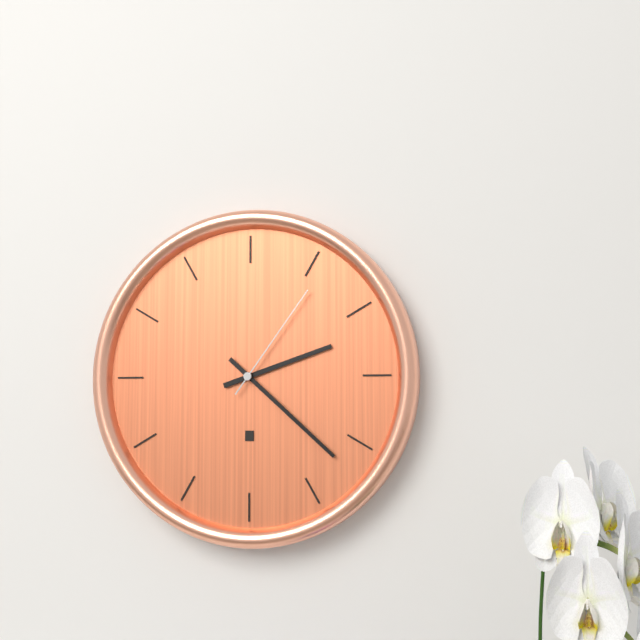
2:22:06
